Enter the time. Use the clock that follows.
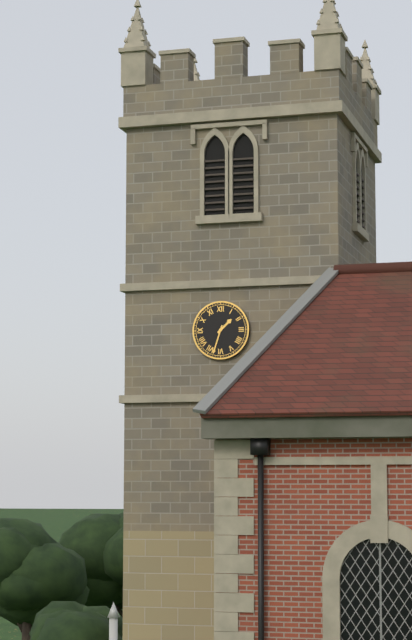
1:33
